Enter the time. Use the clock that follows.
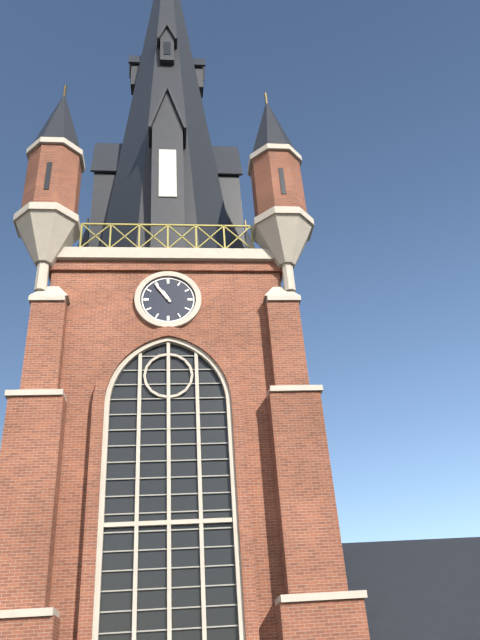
10:54
